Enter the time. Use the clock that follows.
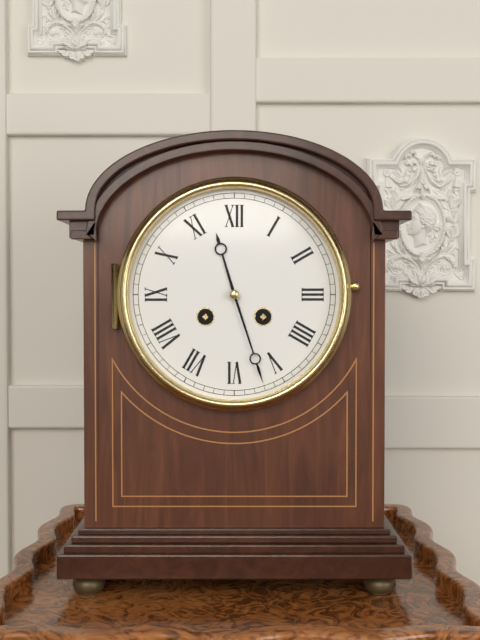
11:27
